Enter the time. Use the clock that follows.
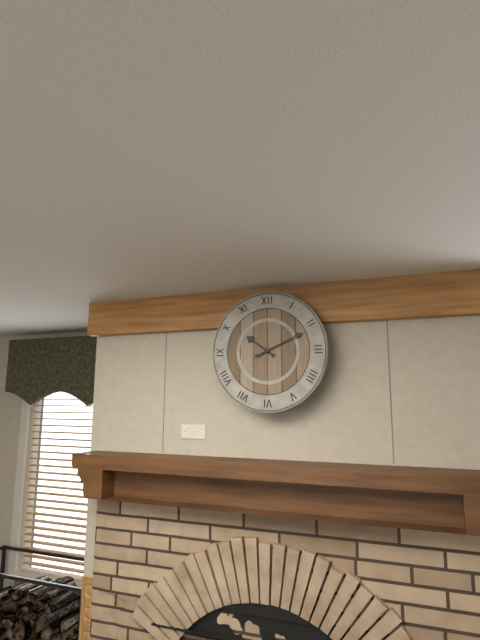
10:11
